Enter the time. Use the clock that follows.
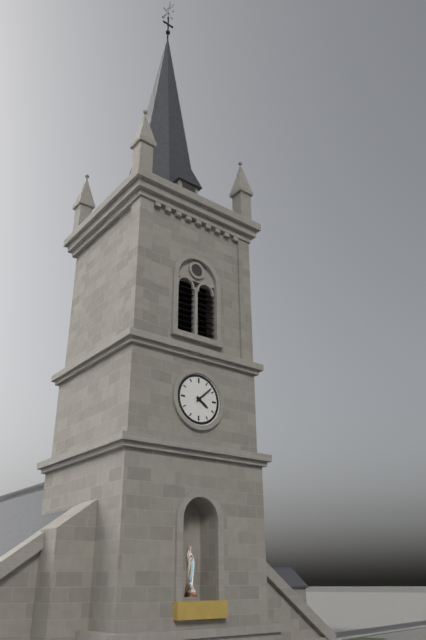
4:08
